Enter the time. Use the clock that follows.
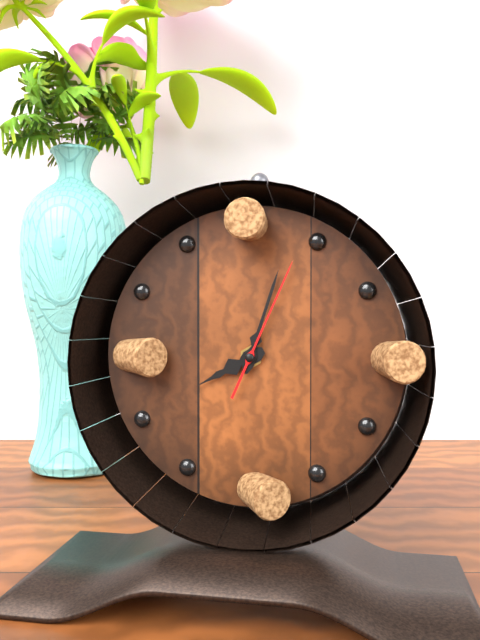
8:03:04
